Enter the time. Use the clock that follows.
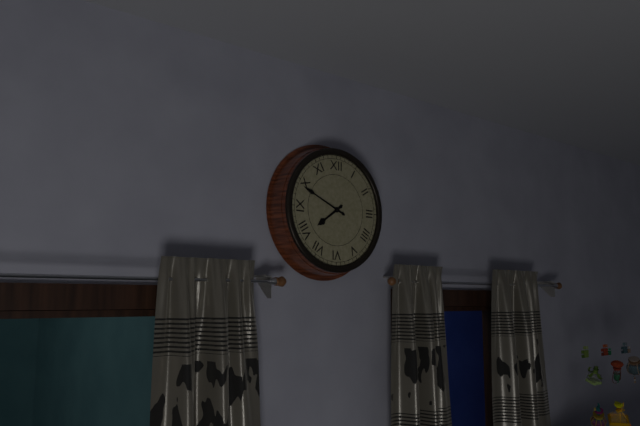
7:49
